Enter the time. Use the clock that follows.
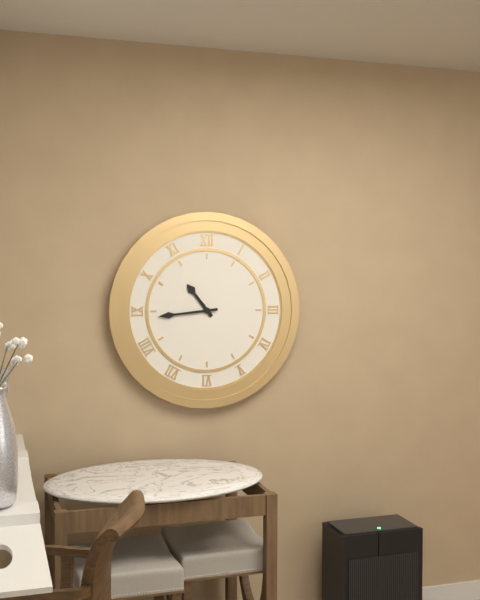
10:44
